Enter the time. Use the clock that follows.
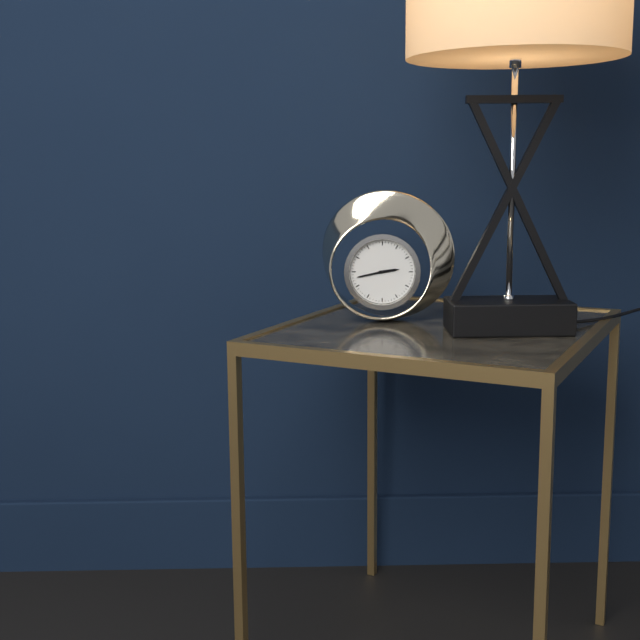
2:43
